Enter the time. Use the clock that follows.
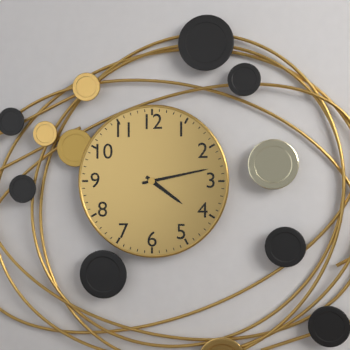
4:13
